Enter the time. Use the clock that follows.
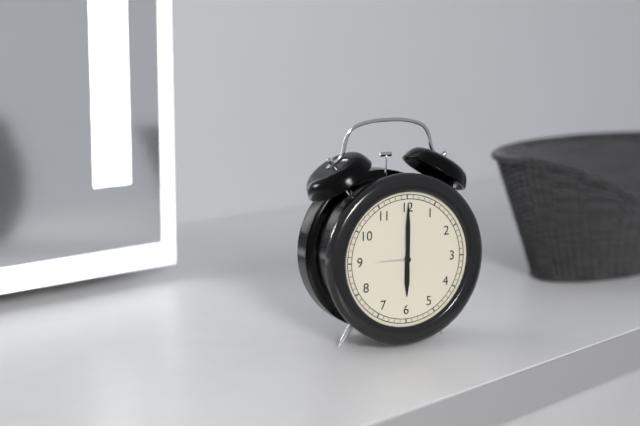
6:00
